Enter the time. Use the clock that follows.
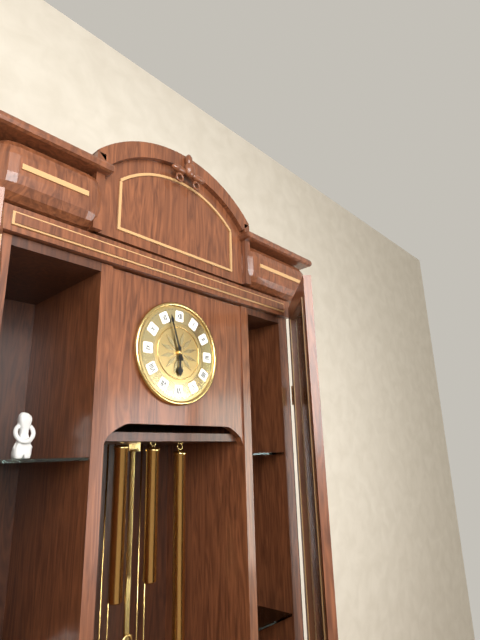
5:57
